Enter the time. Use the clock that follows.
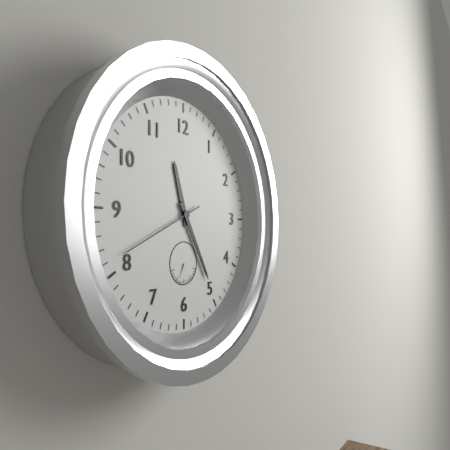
11:25:41
